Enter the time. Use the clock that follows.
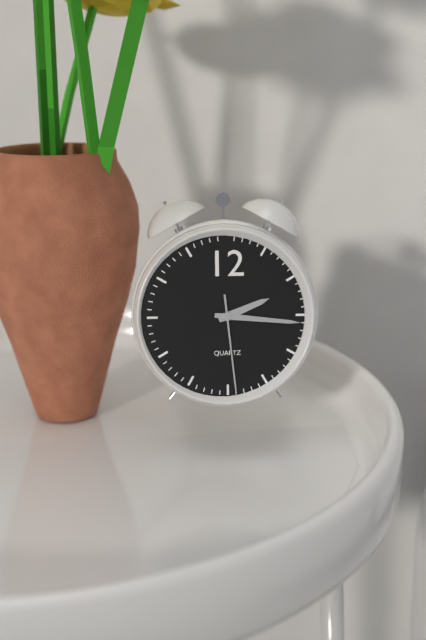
2:16:29
